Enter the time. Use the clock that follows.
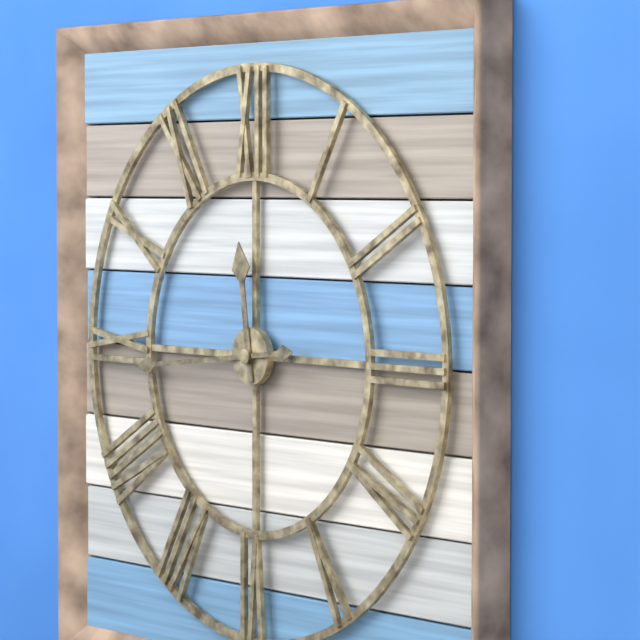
11:44
